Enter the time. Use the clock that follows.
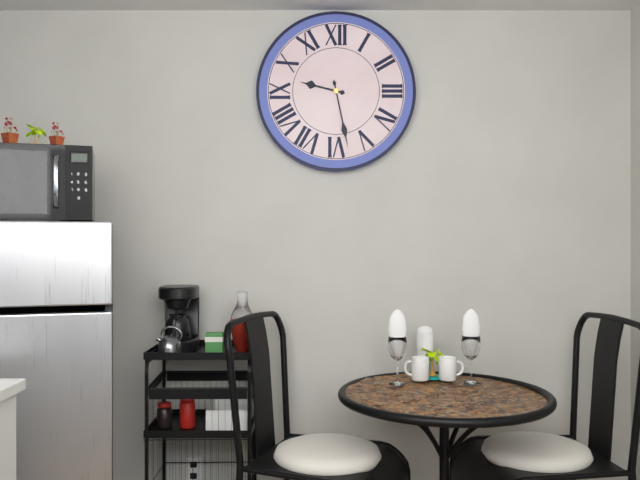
9:28
